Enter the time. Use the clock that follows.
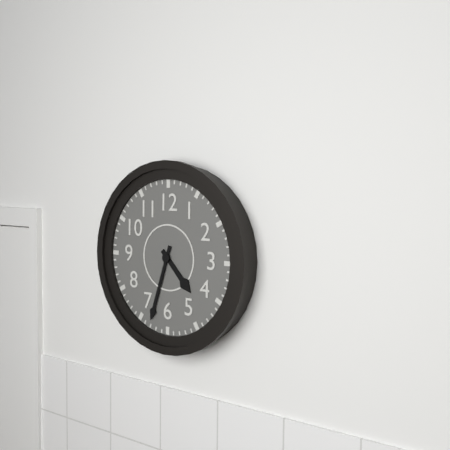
4:33
